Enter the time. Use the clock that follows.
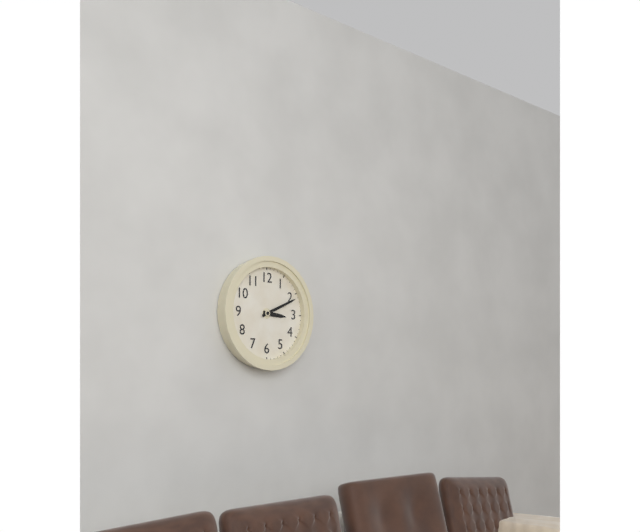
3:11
